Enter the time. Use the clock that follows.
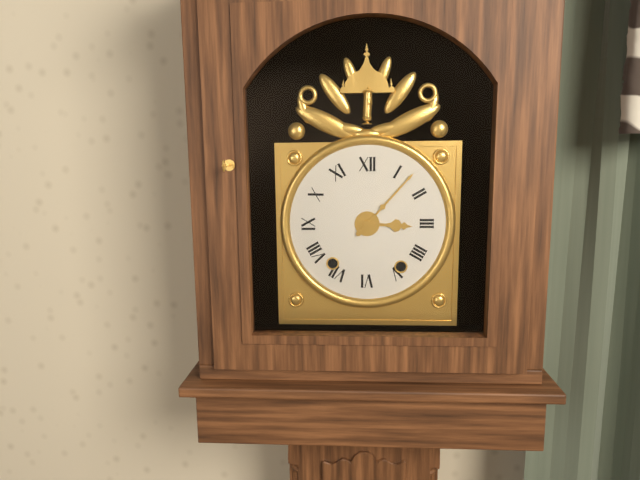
3:07
